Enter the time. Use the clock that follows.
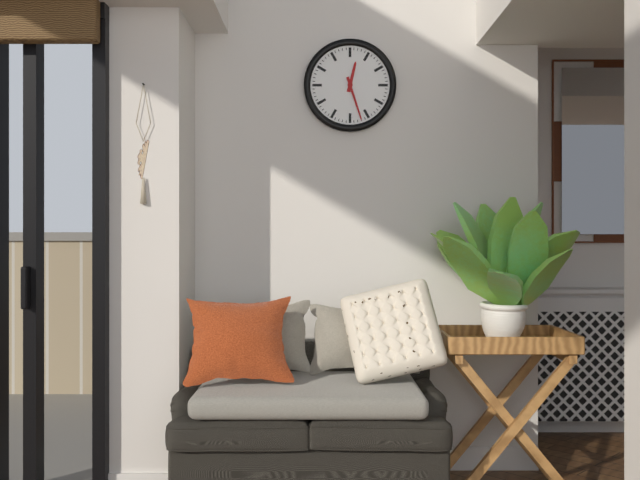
12:27
